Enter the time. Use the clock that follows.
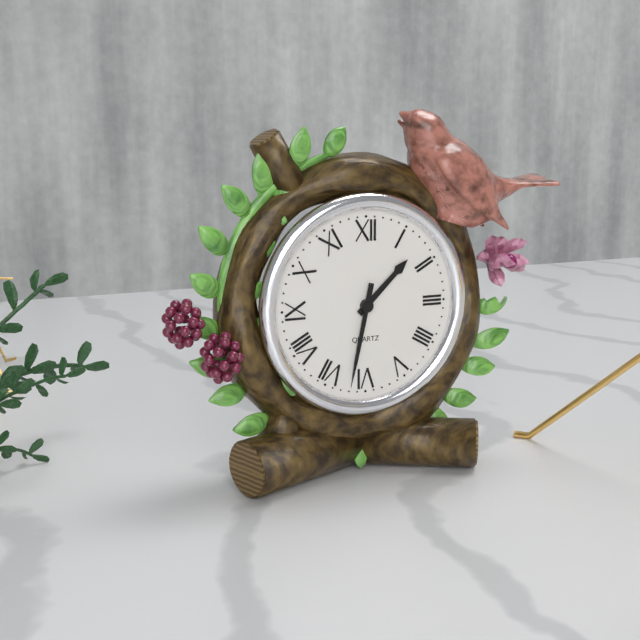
1:32
